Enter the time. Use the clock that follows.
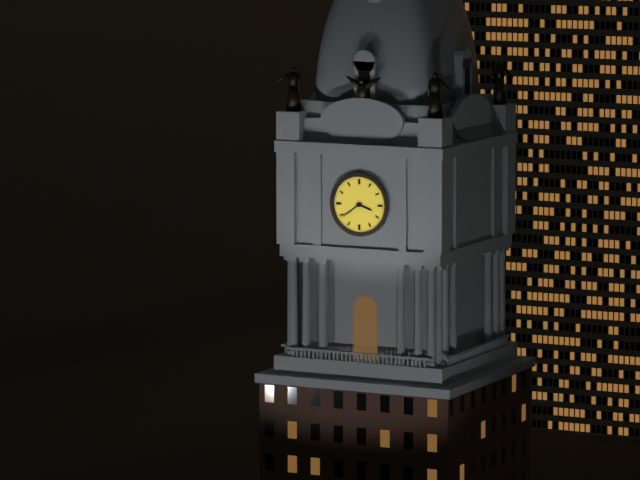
3:39
